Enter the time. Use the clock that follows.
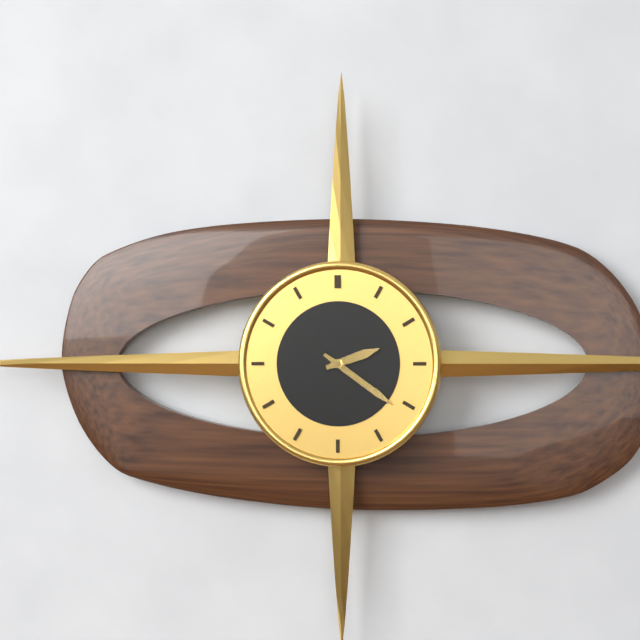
2:21
